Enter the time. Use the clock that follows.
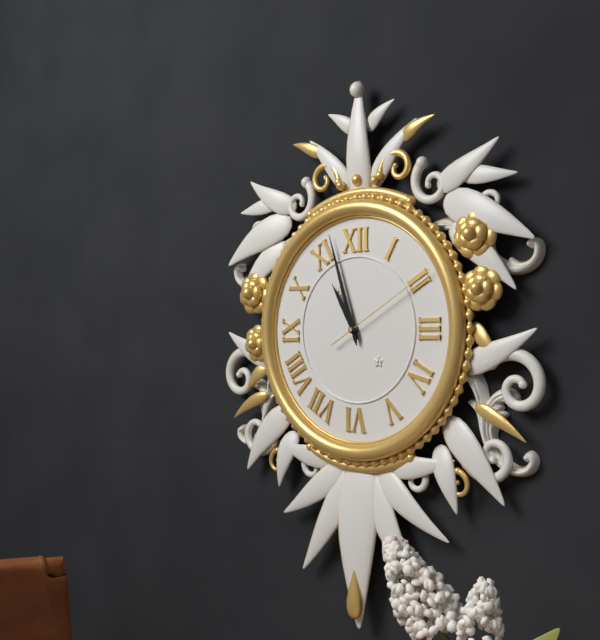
10:57:10
